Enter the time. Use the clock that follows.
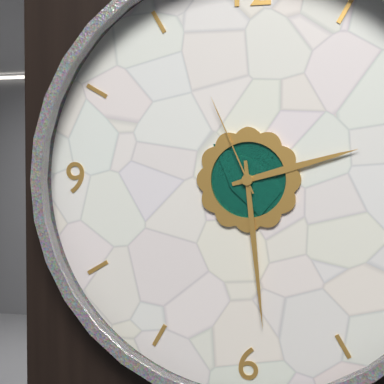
2:29:56
